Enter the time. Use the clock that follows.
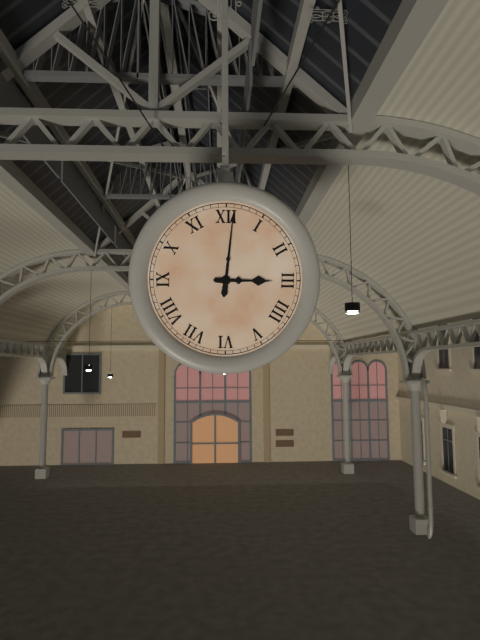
3:01
